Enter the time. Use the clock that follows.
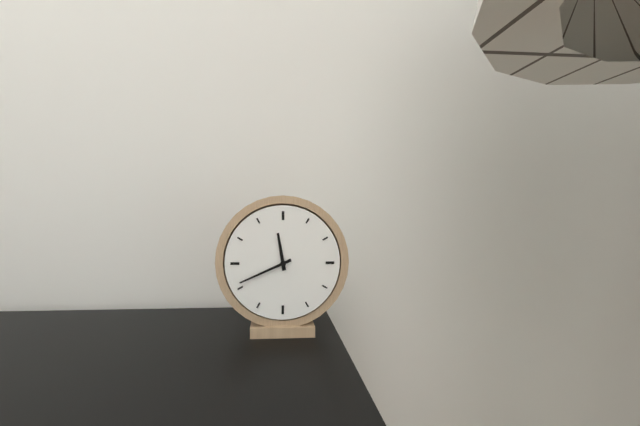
11:41
